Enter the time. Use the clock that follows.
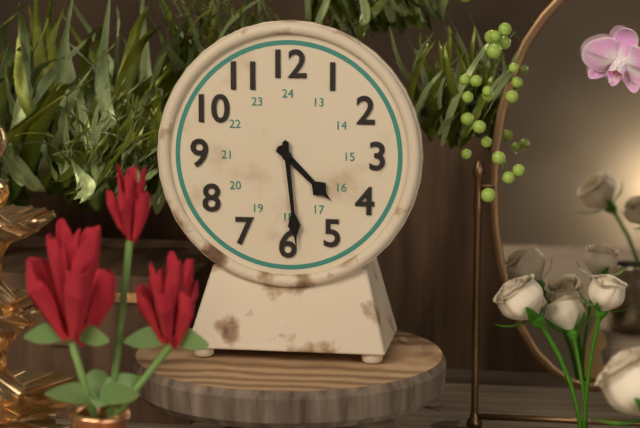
4:29
